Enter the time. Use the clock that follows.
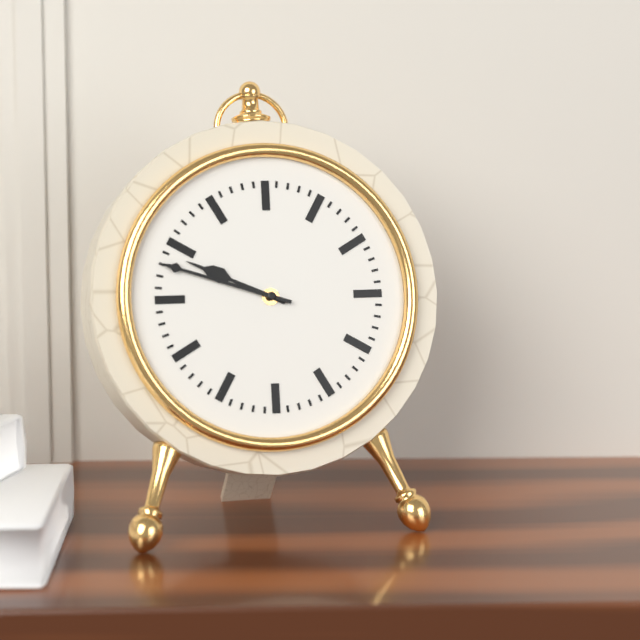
9:48
